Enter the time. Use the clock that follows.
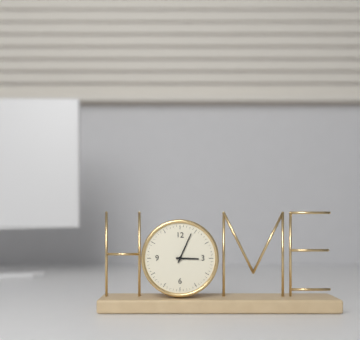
3:04
